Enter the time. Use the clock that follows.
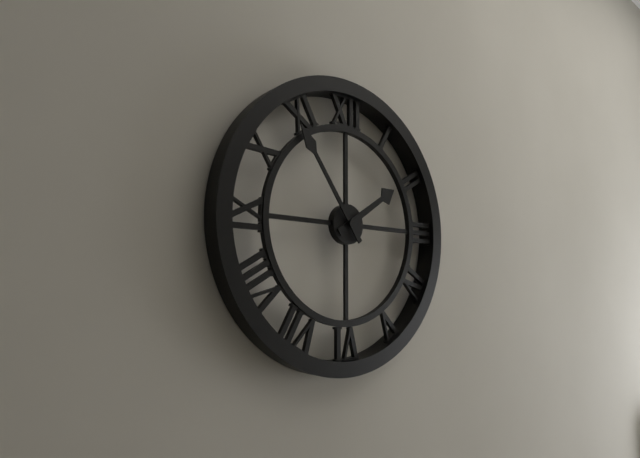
1:54
